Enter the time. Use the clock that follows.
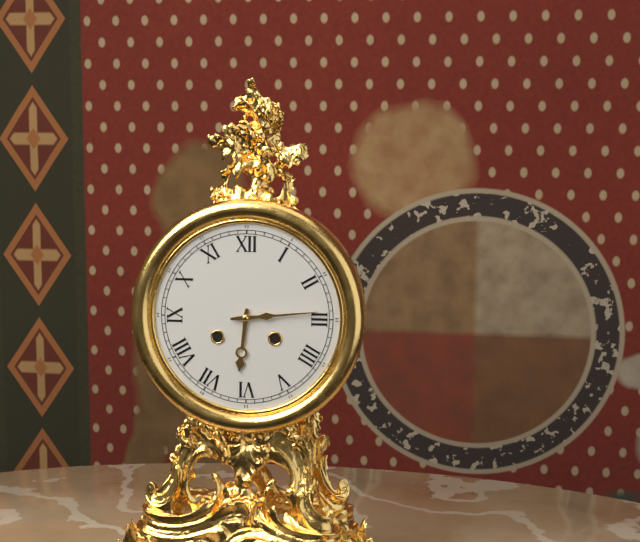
6:14
